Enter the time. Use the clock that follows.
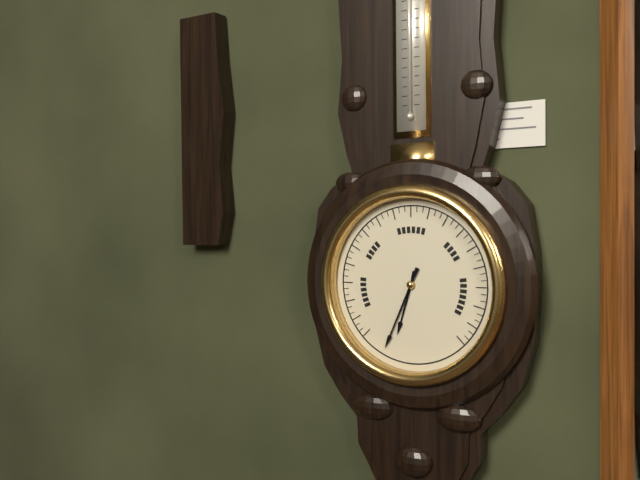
6:34
